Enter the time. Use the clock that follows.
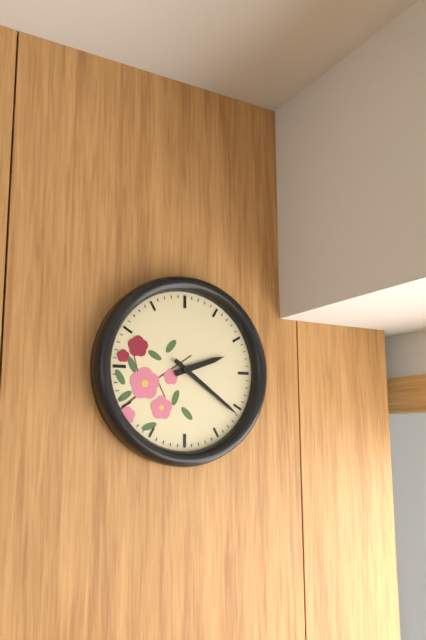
2:21
